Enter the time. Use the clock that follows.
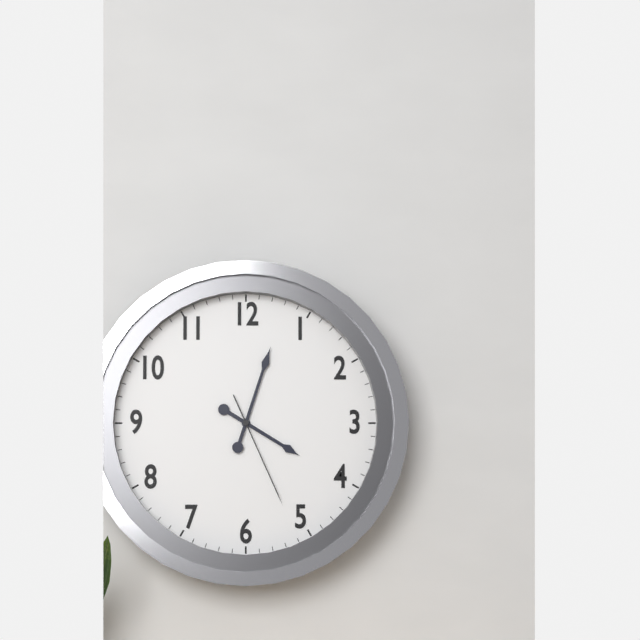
4:03:26
